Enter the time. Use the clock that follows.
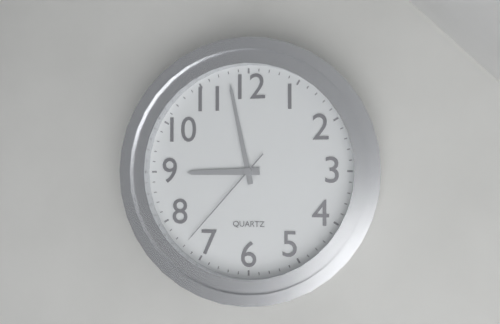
8:58:37
